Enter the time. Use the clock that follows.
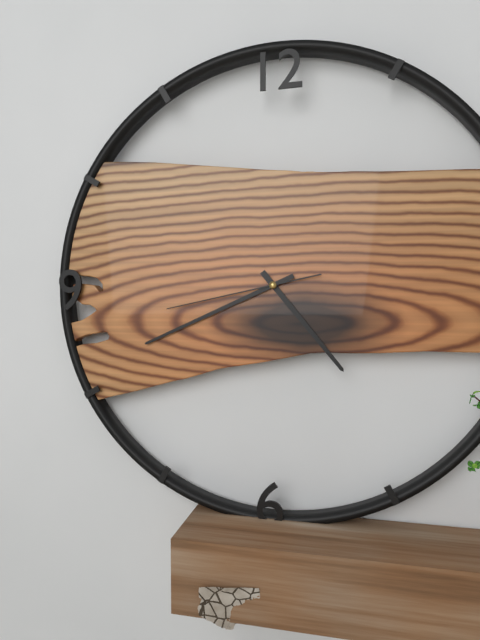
4:41:43
